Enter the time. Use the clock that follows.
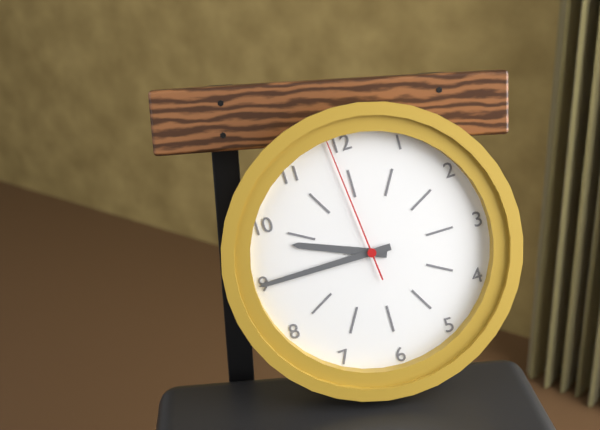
9:45:59
